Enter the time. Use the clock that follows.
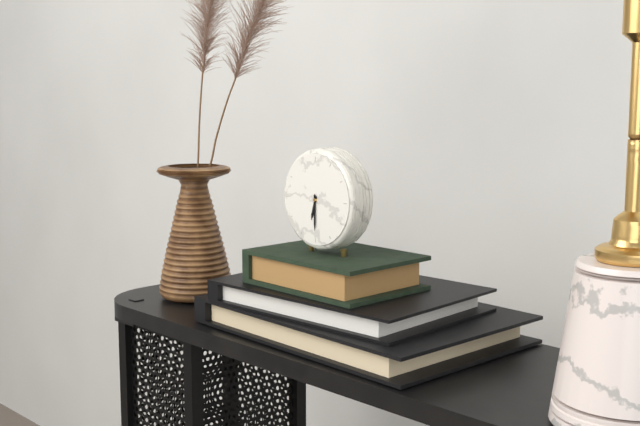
6:30
